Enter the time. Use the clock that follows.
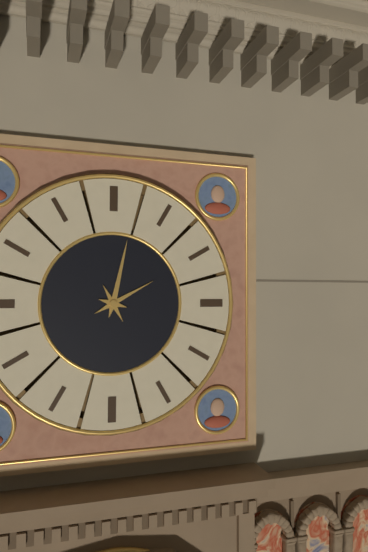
2:02
